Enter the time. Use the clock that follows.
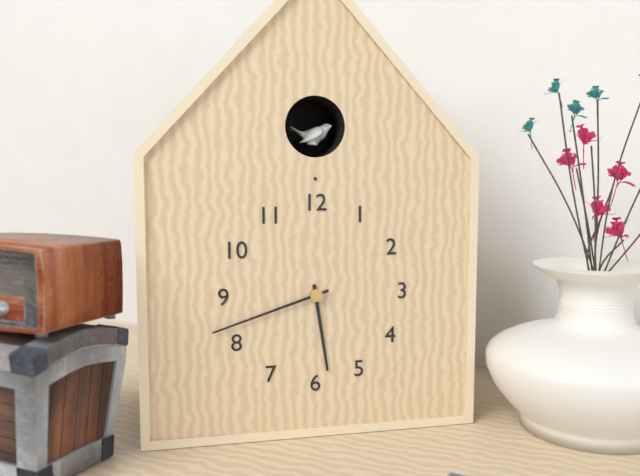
5:42
